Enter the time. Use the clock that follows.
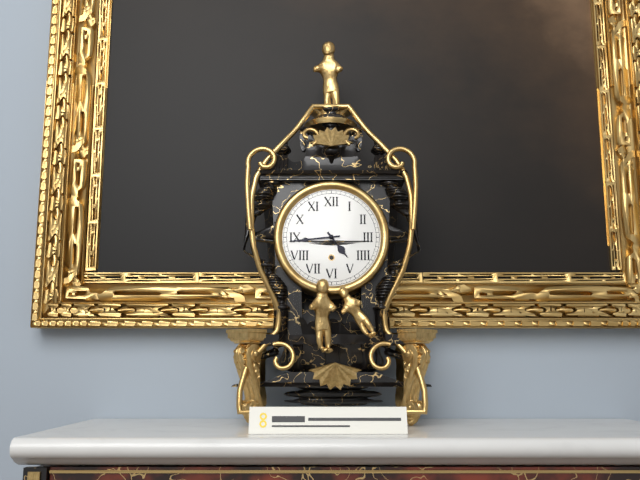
4:44
